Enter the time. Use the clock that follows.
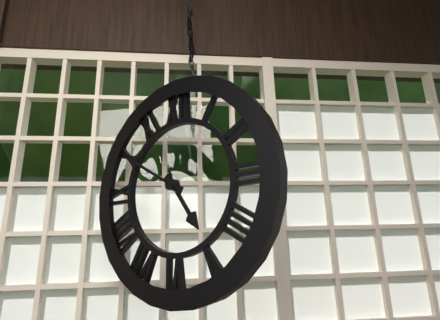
4:50
